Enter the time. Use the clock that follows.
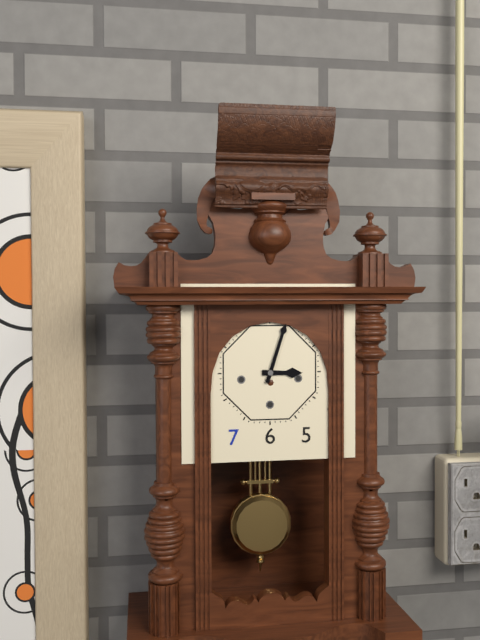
3:03
